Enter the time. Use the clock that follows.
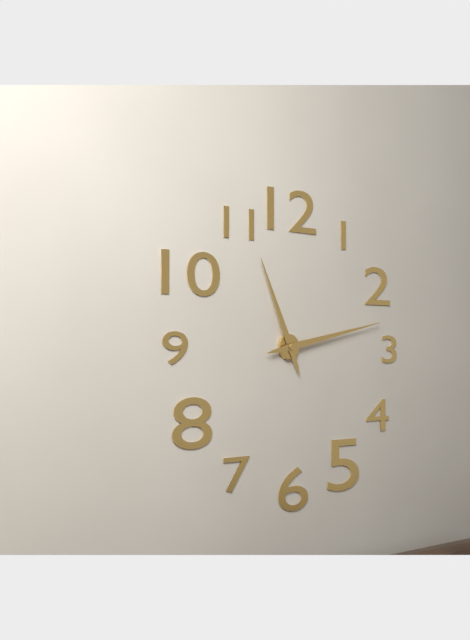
11:13
